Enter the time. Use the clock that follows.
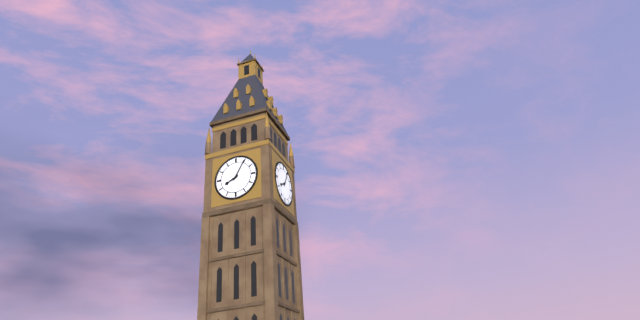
8:05
